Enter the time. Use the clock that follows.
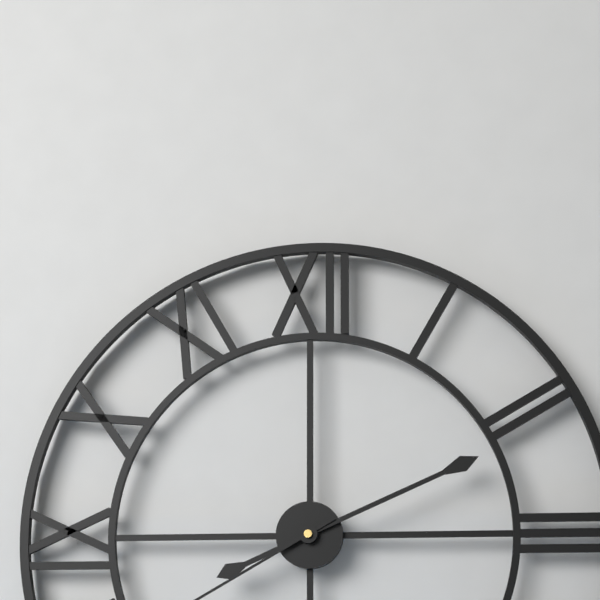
8:11
